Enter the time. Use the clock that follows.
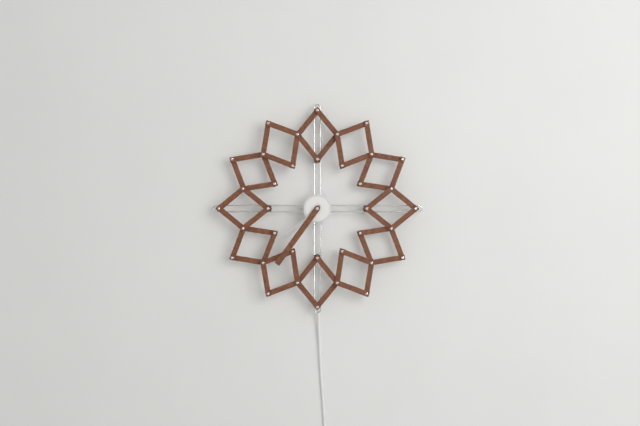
7:36
